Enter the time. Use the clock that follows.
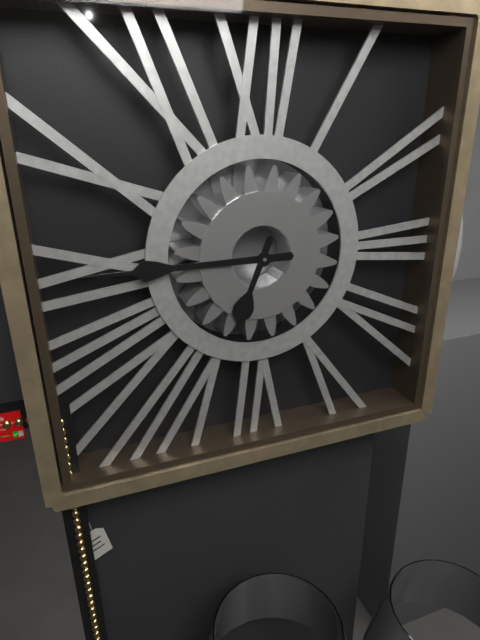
6:45
